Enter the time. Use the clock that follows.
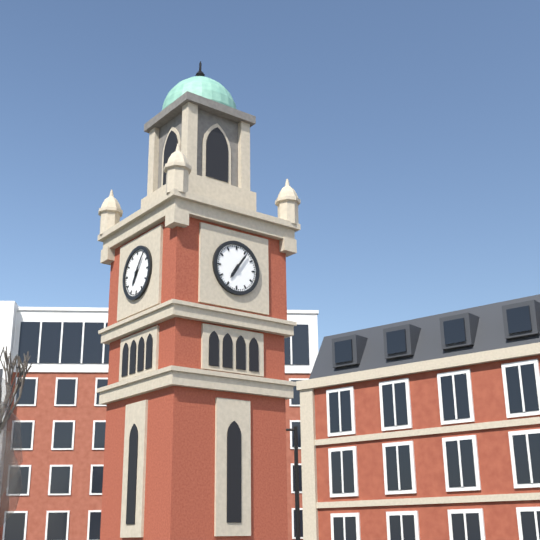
7:06
